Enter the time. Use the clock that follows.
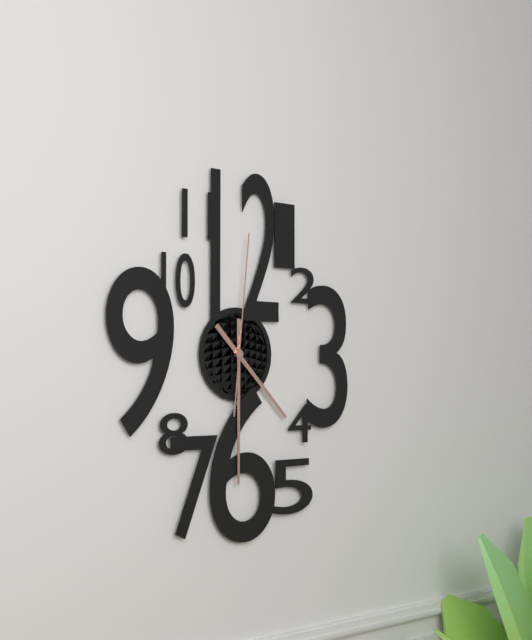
4:30:01
